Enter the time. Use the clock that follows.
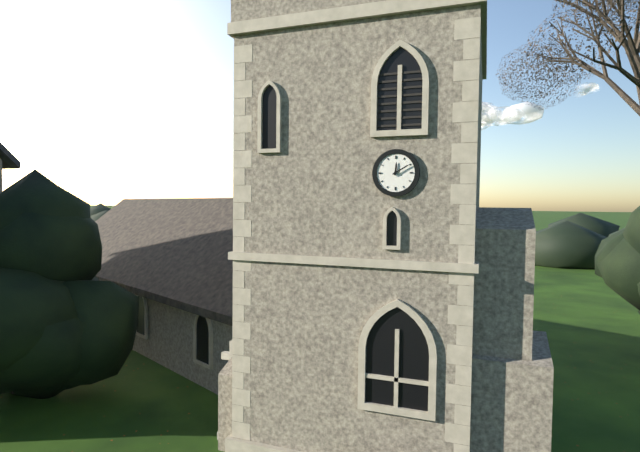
12:10
